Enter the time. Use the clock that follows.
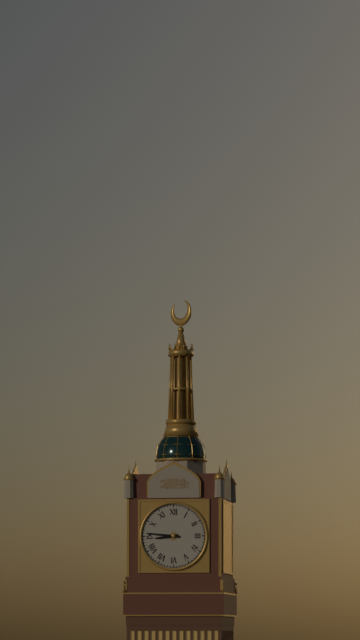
8:46
